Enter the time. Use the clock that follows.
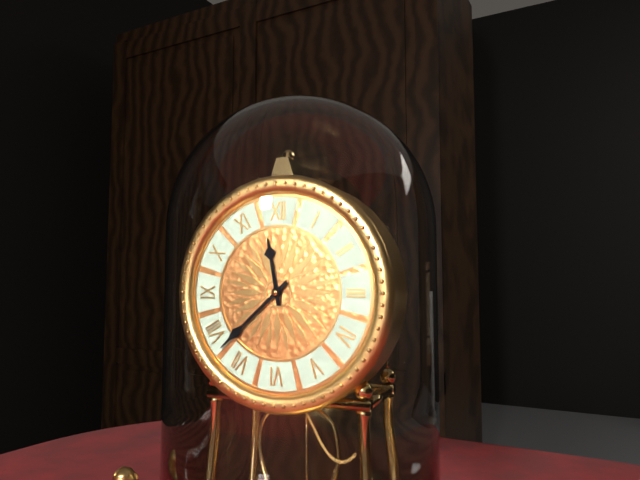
11:38
